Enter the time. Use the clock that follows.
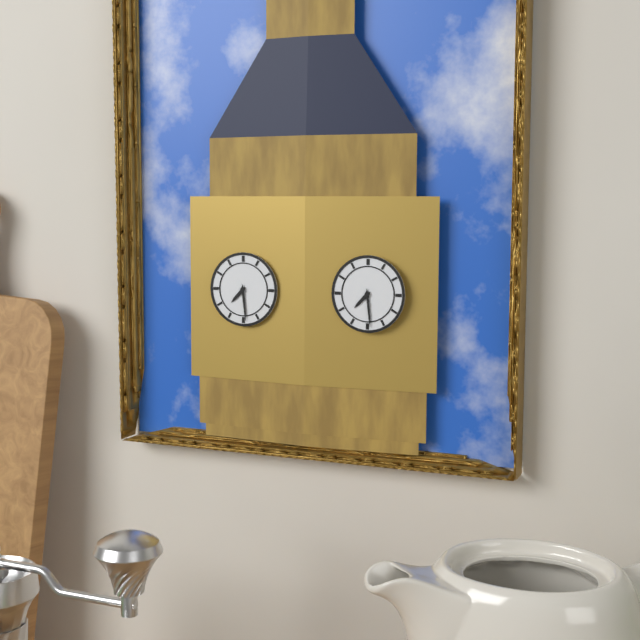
7:29
